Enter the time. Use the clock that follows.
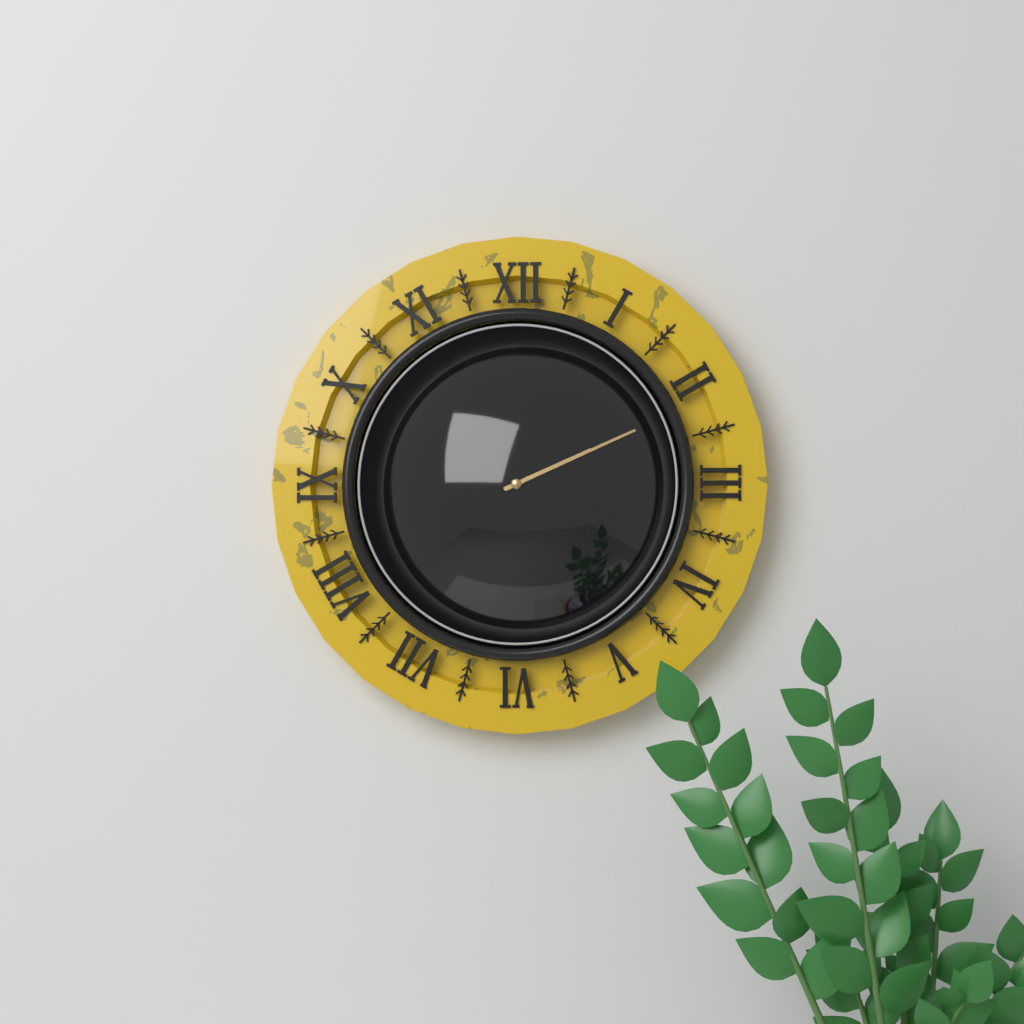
2:11
